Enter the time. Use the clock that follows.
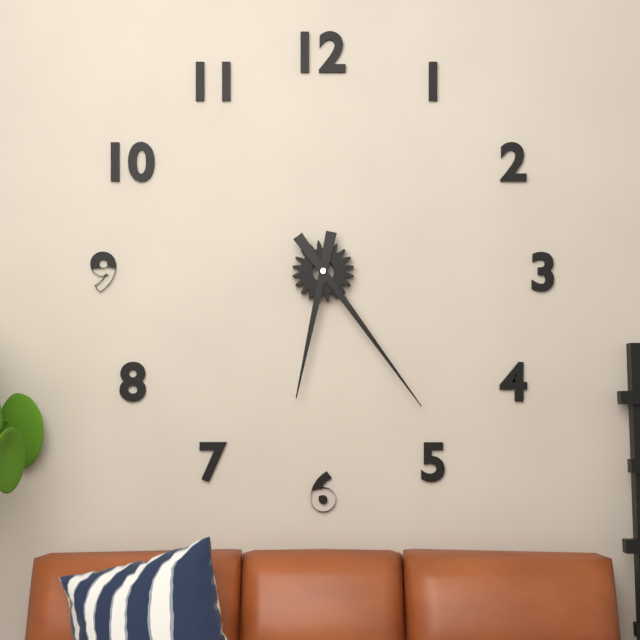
6:24
